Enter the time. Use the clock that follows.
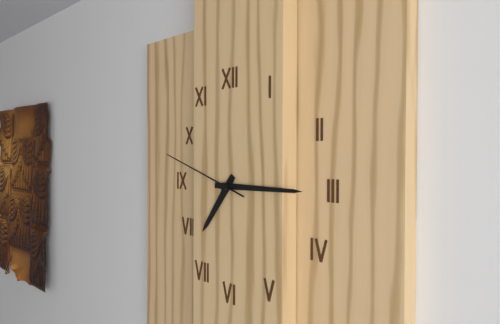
7:15:48
